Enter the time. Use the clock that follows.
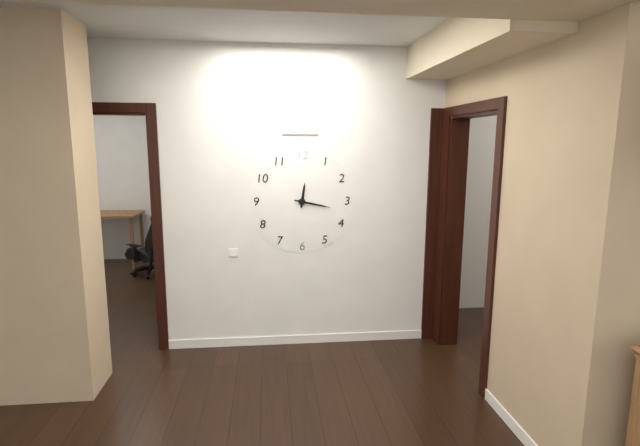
12:17
